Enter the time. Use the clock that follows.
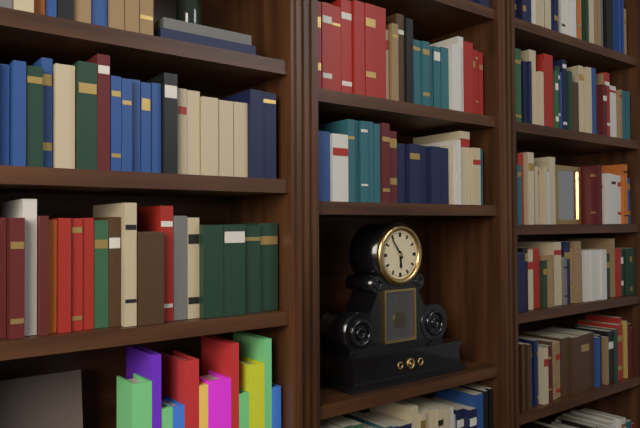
5:54
